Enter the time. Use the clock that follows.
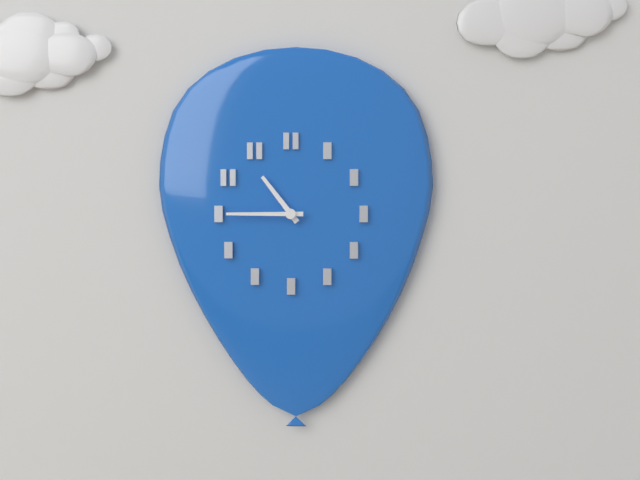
10:45
